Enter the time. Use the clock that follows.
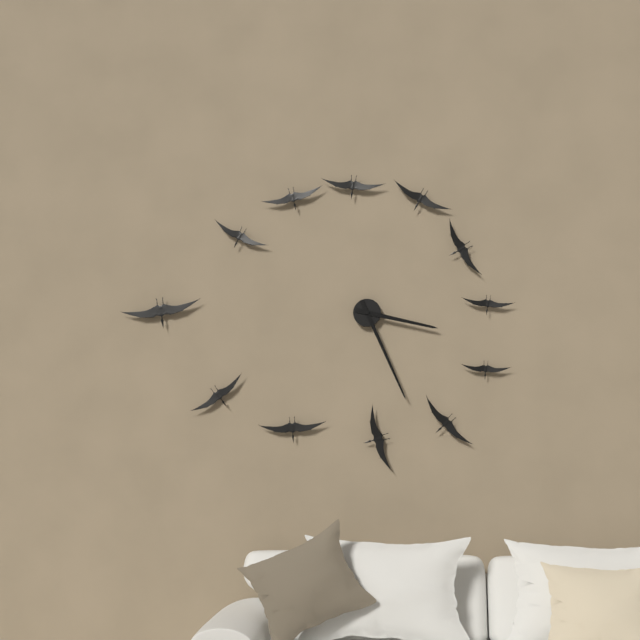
3:26
